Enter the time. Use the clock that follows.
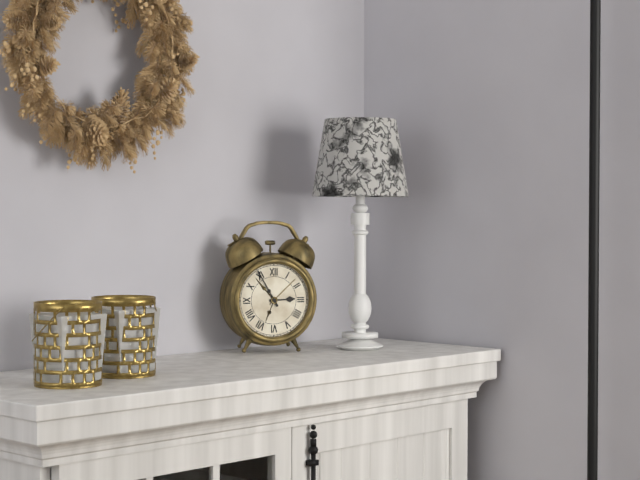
2:55
